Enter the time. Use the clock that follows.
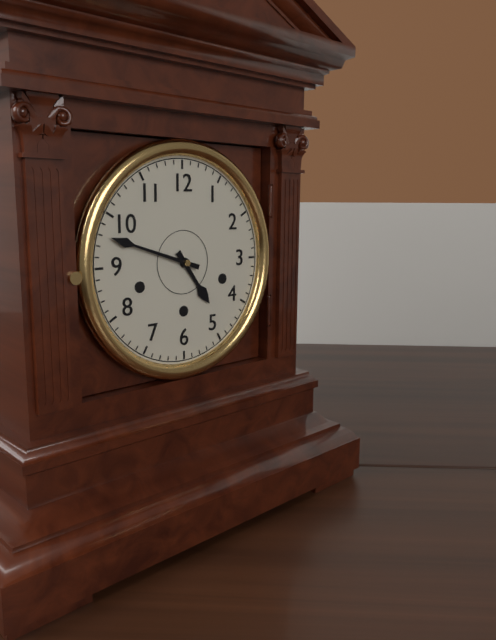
4:48
